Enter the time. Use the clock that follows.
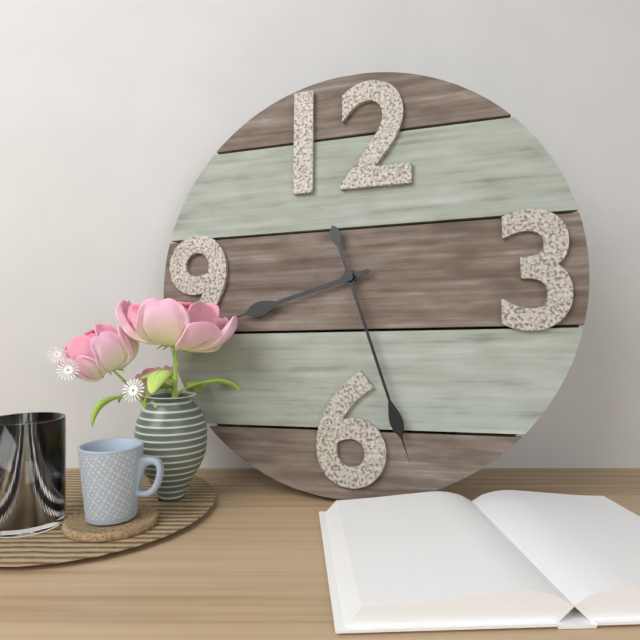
8:27
